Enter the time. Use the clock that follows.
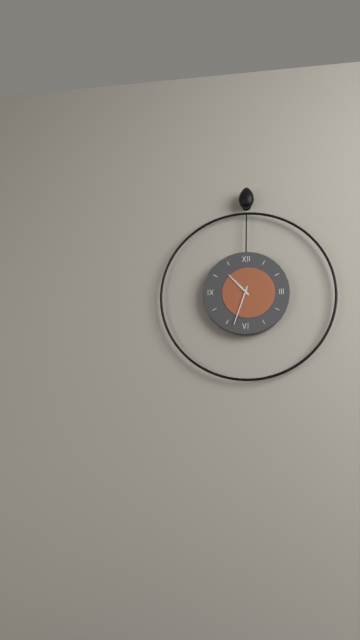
10:33
